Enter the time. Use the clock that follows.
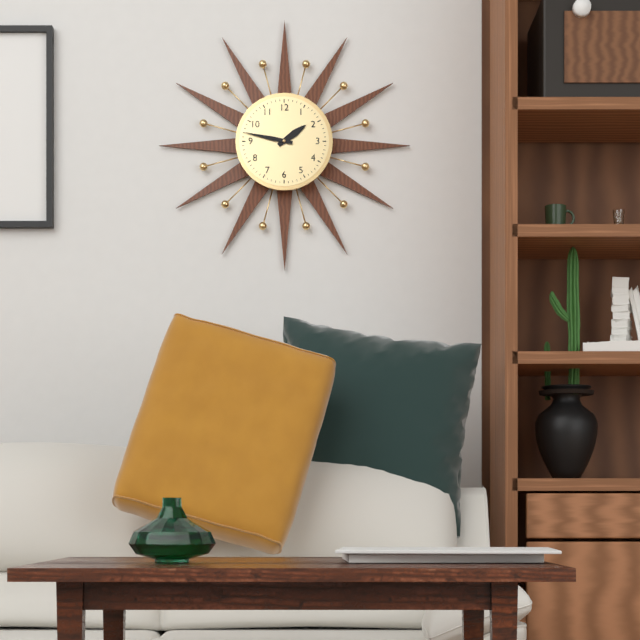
1:47
